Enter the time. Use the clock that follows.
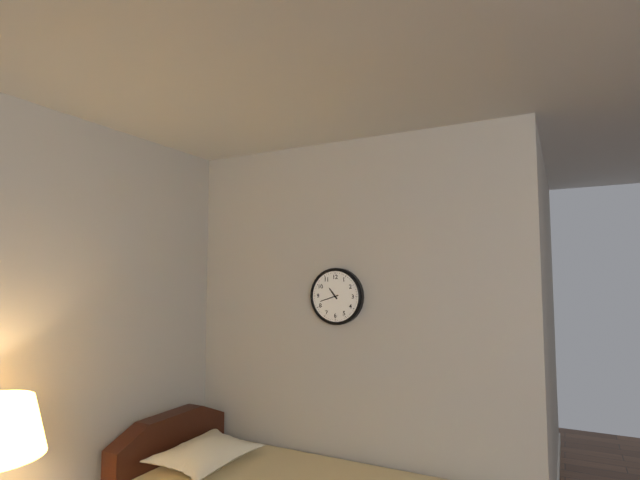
10:42
